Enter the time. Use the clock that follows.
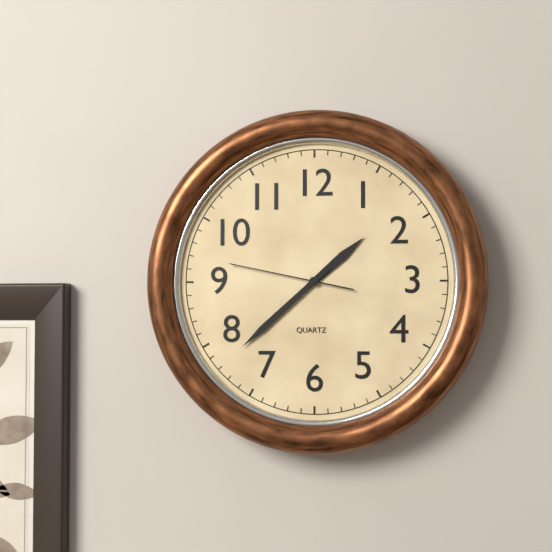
1:38:47
